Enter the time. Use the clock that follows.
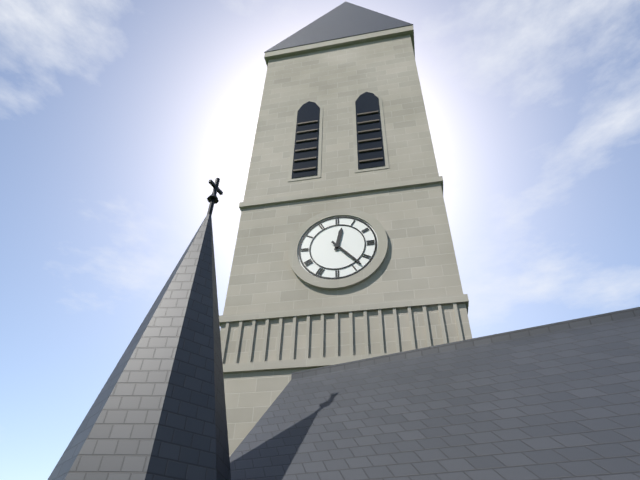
12:23
